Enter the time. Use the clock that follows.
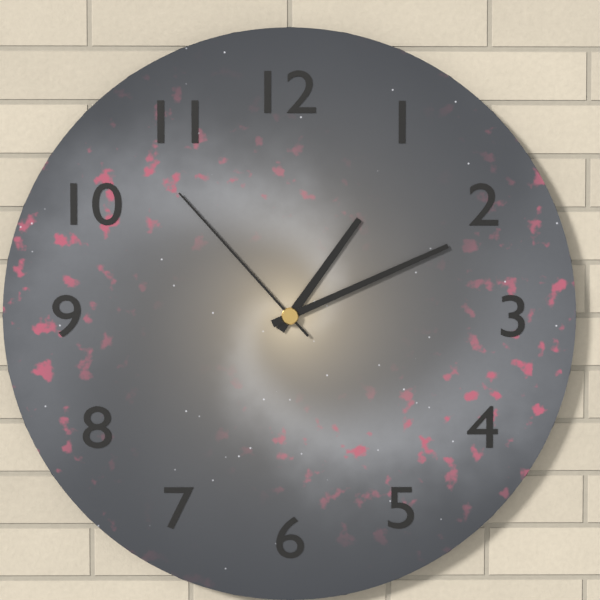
1:11:53
